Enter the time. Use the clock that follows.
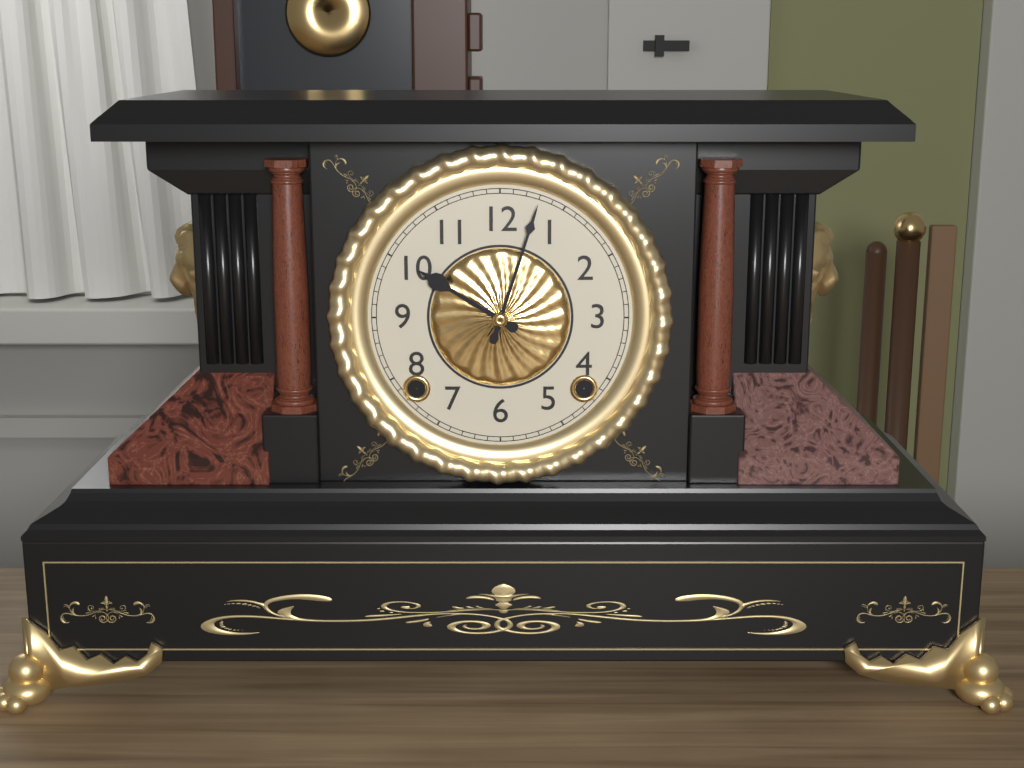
10:03
